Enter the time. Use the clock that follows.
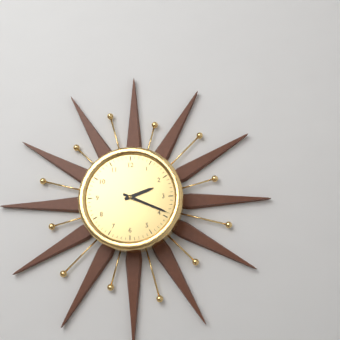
2:19
